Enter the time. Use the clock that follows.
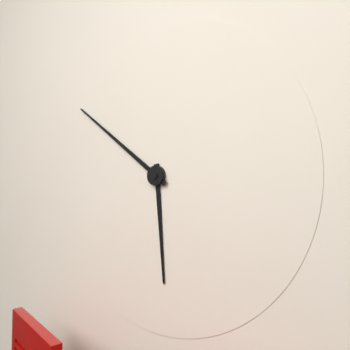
5:51
